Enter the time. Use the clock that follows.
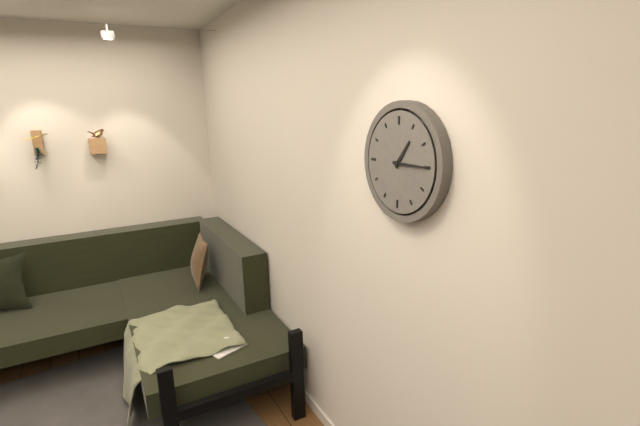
1:15
